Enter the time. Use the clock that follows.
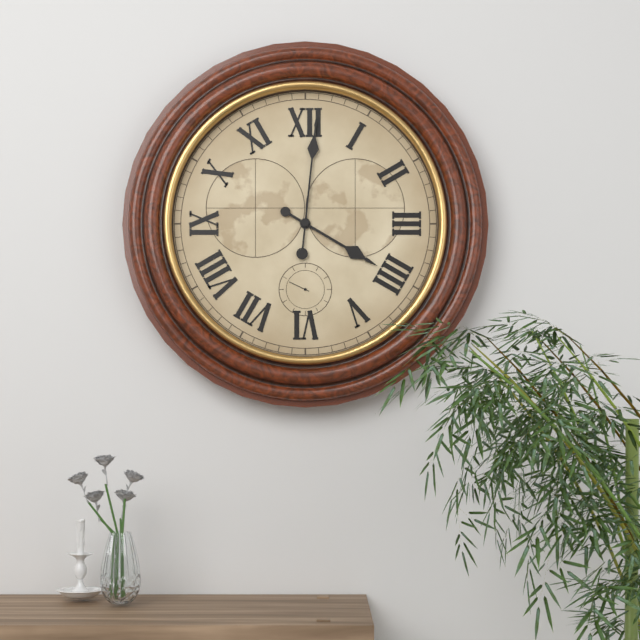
4:01
